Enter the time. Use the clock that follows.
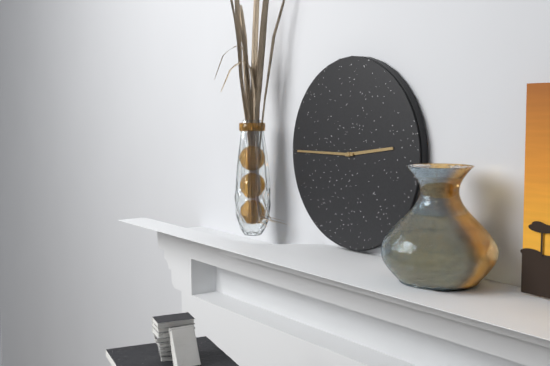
2:45
